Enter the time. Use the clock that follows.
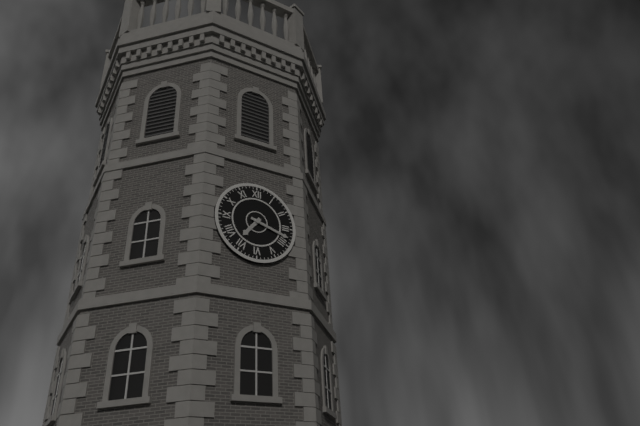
7:18
